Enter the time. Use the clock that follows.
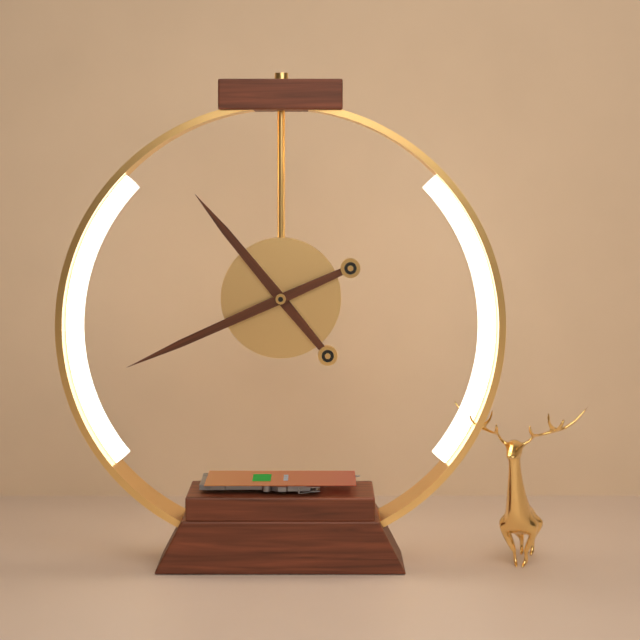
10:41
